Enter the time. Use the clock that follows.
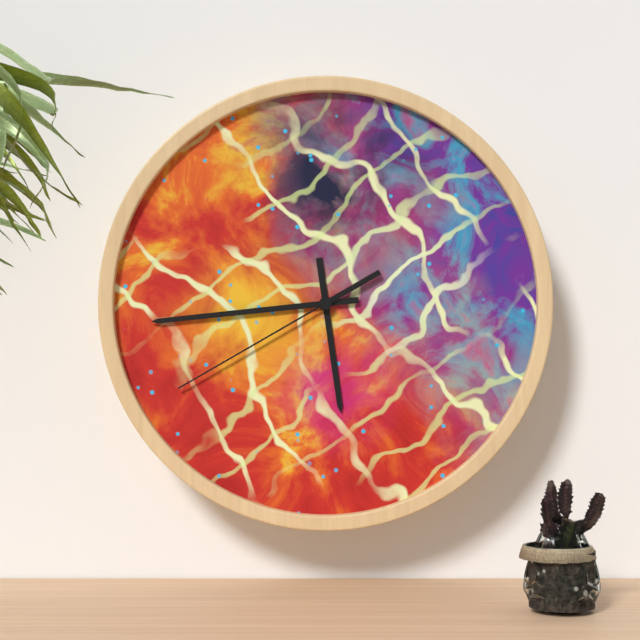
5:44:40
